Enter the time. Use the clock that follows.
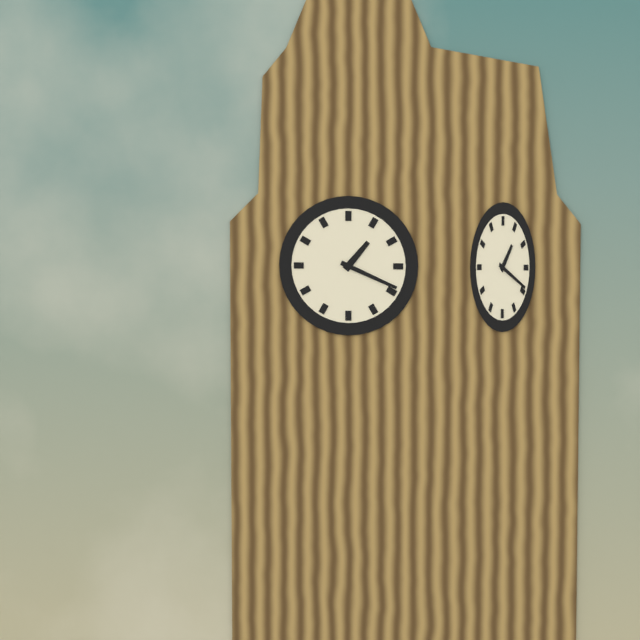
1:19
